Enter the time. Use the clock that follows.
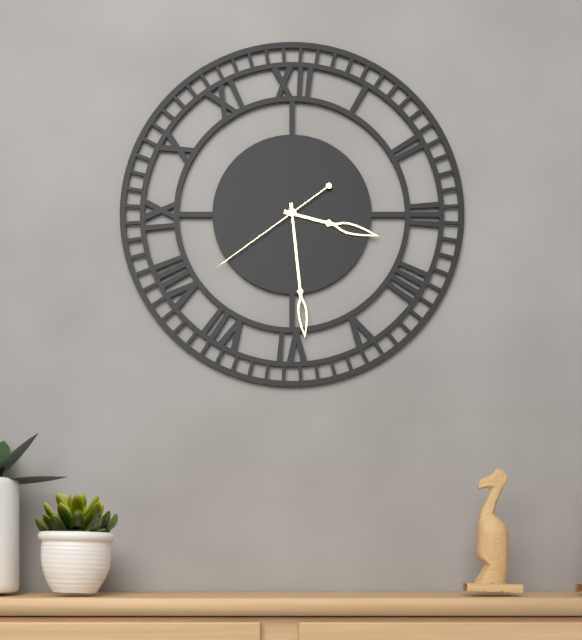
3:29:39
